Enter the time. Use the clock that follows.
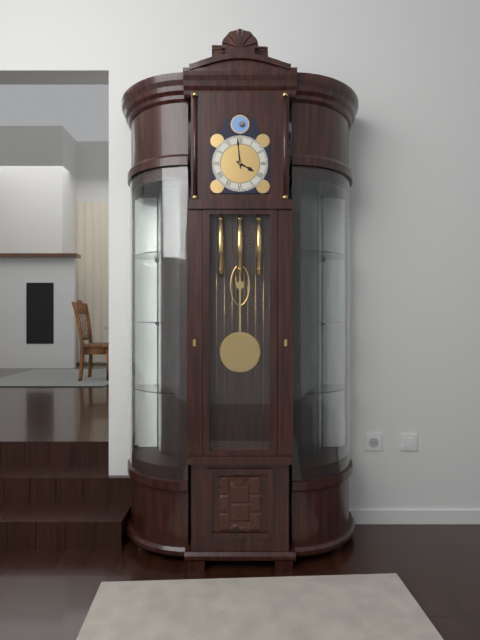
3:59
